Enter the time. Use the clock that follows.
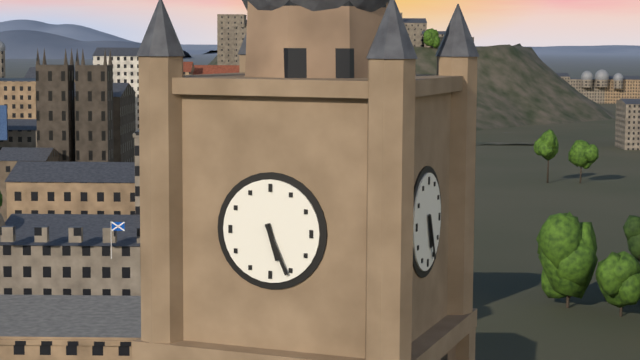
5:26
